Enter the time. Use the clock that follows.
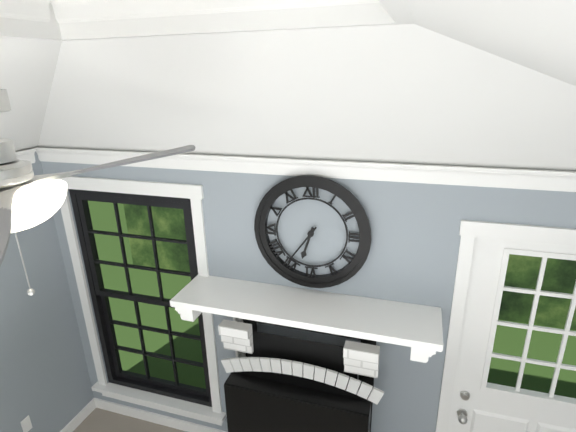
6:36
